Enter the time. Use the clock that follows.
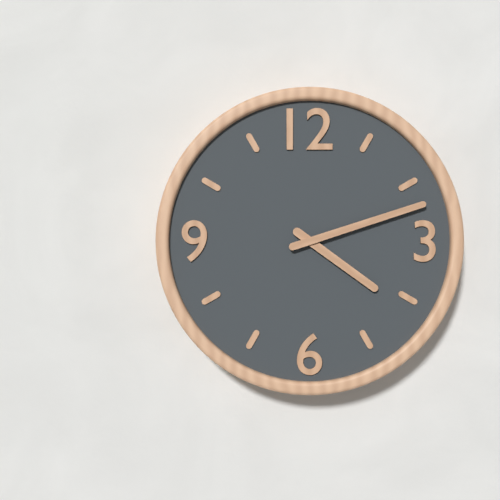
4:12
